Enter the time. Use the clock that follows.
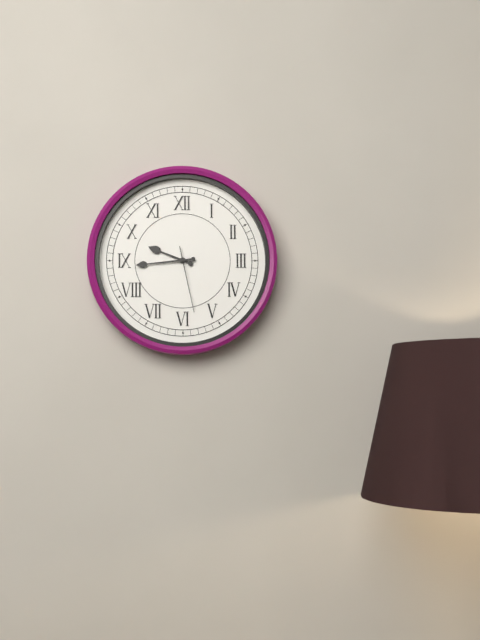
9:44:28
